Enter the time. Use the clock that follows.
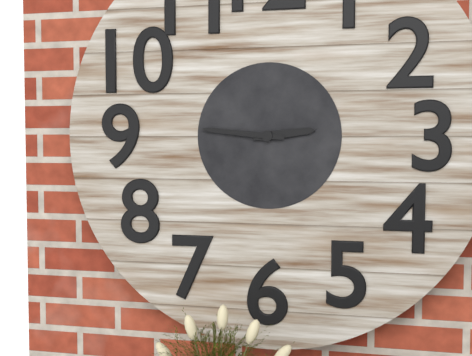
2:46
